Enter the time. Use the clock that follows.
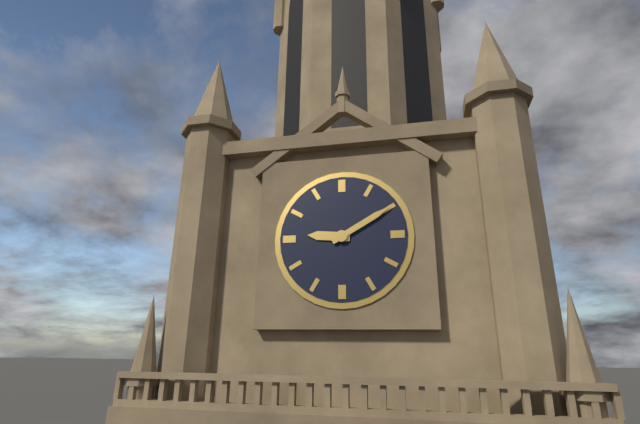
9:10
